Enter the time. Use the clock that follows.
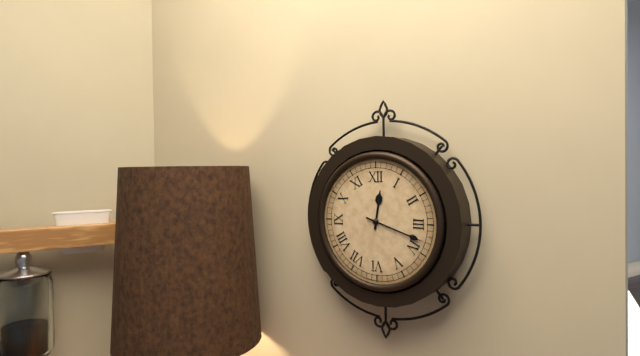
12:18
